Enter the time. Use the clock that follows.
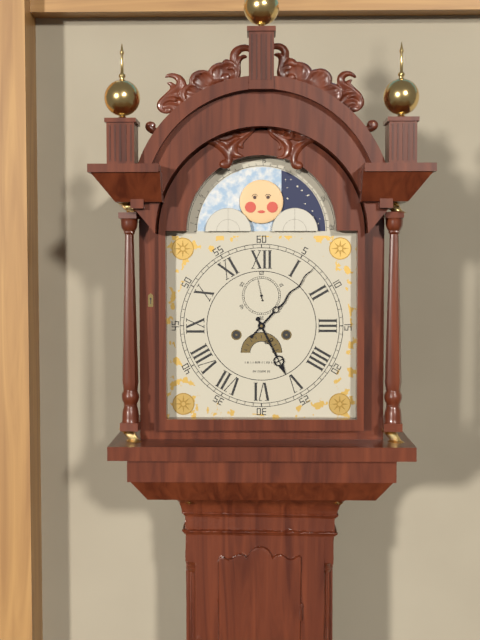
5:07
